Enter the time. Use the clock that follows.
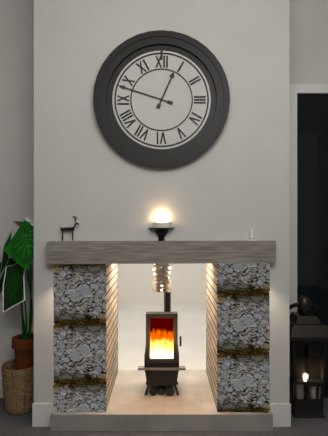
12:48
